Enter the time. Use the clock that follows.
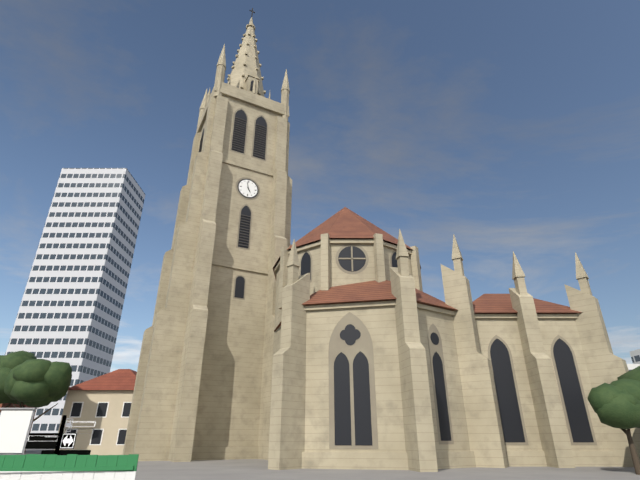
4:58
